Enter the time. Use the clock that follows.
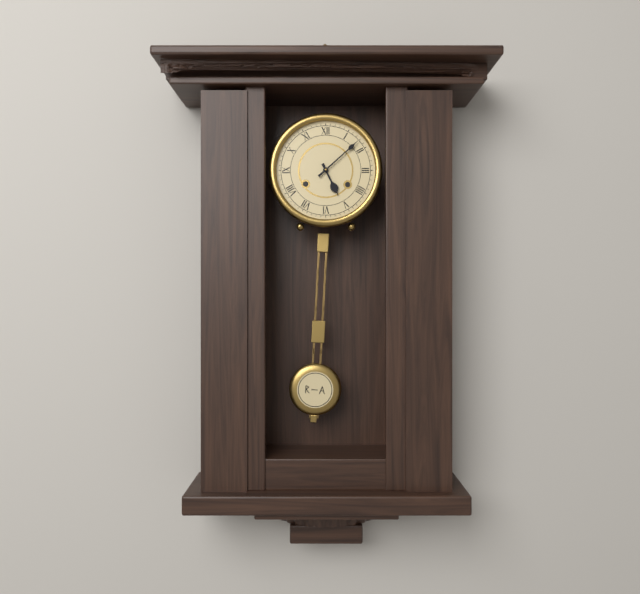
5:08
